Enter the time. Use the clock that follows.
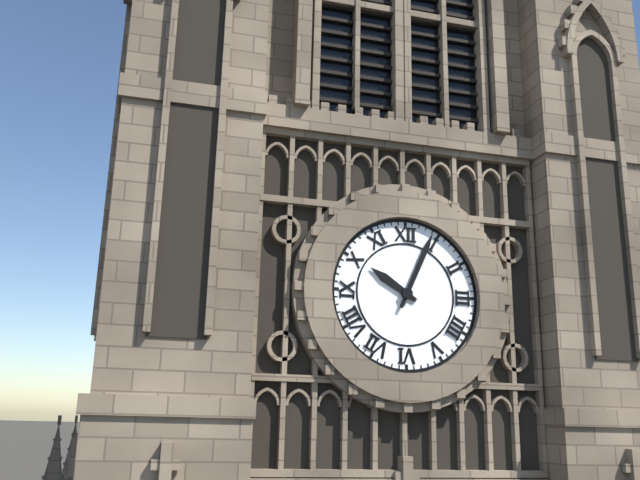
10:04
